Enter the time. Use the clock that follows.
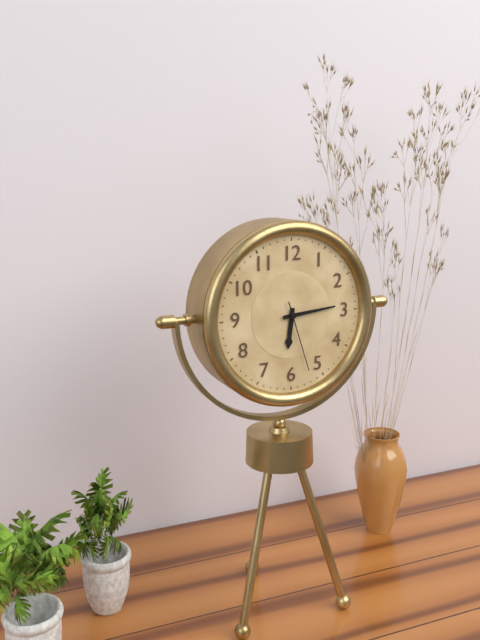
6:14:27
